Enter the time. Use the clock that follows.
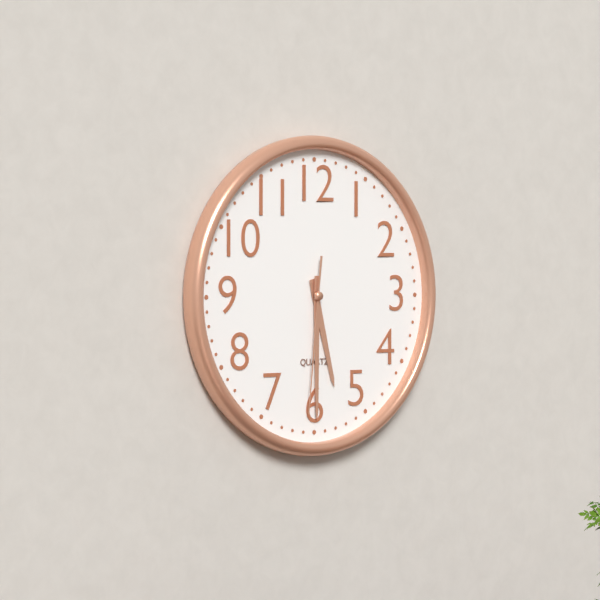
5:30:31
